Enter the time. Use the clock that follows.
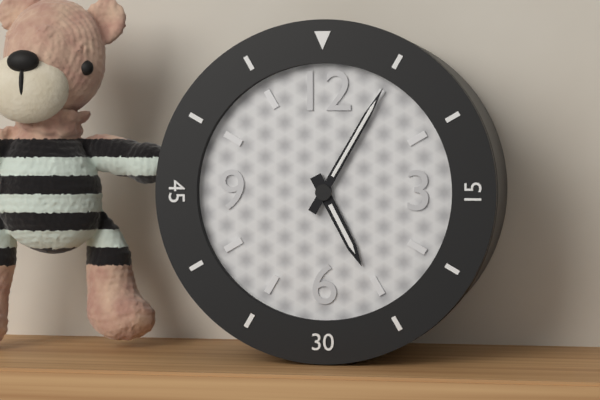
5:05
